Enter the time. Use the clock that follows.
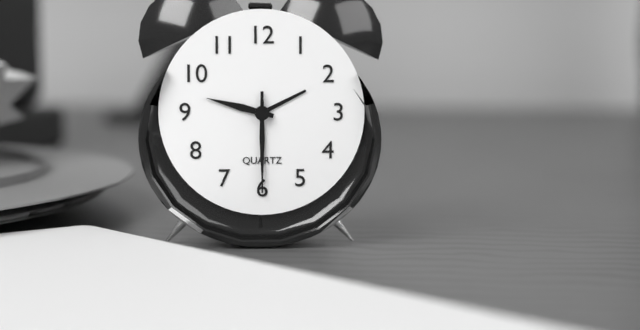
9:30:30
